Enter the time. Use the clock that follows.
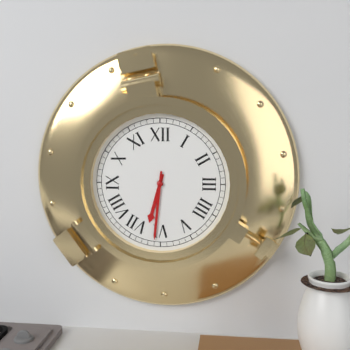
6:31
